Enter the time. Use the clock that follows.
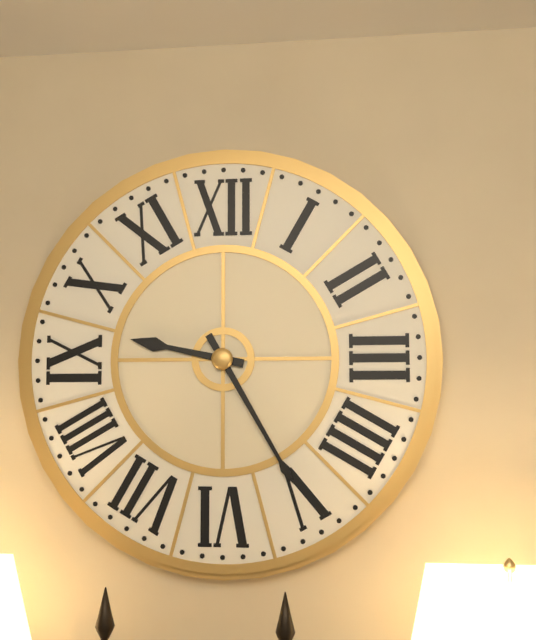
9:25
